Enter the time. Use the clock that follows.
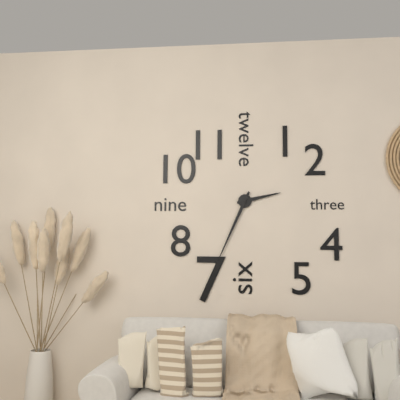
2:34
